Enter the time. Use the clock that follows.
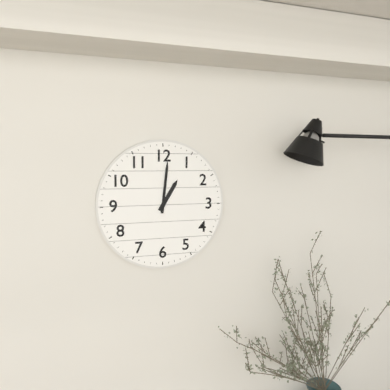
1:01
